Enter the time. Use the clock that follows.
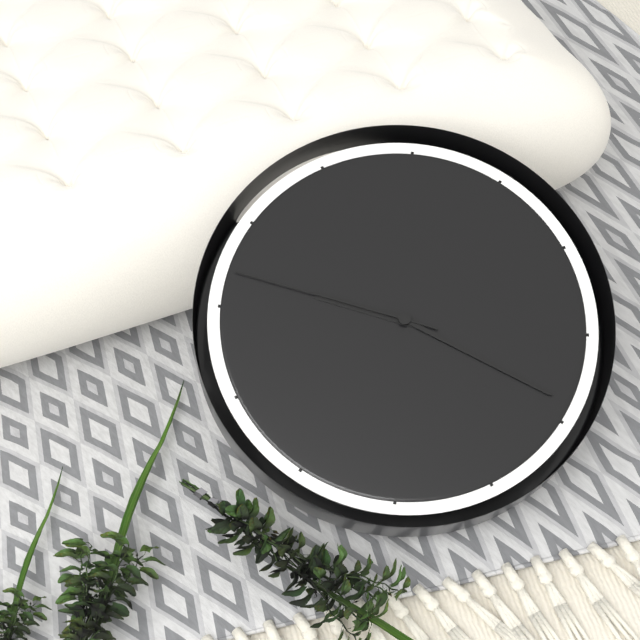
10:24:52
